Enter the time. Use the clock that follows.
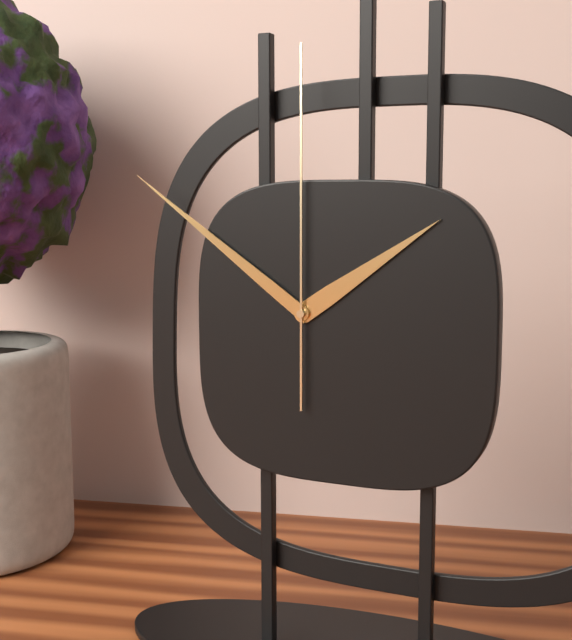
1:51:00
